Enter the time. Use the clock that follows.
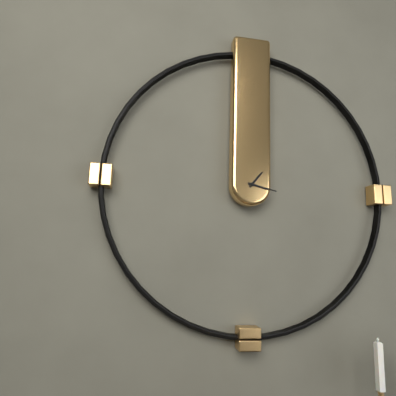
1:17
